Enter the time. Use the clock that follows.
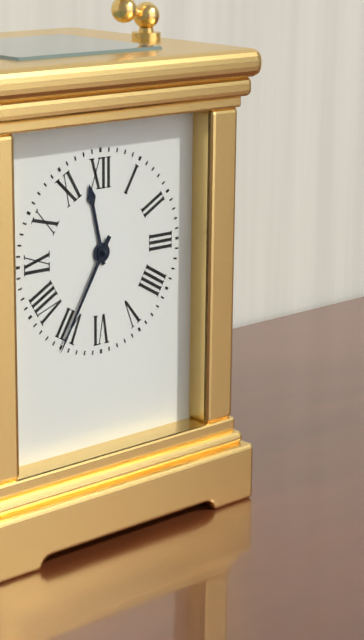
11:35
